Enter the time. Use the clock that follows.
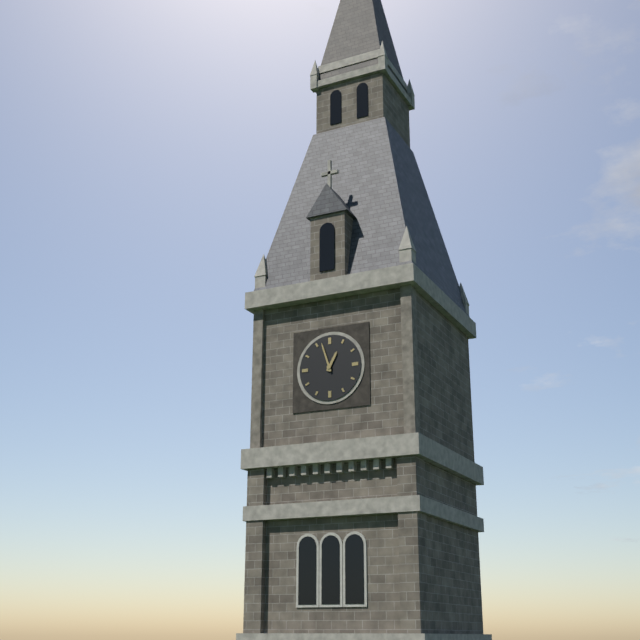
12:57
